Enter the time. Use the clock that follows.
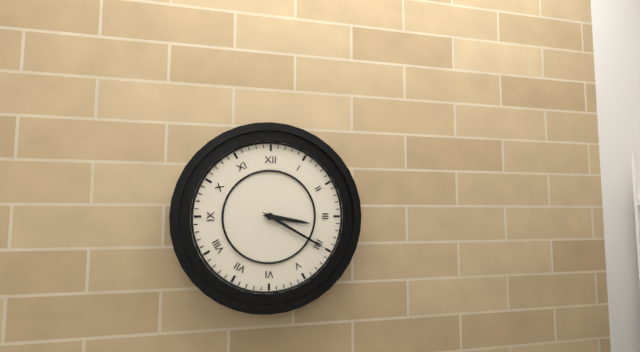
3:20
